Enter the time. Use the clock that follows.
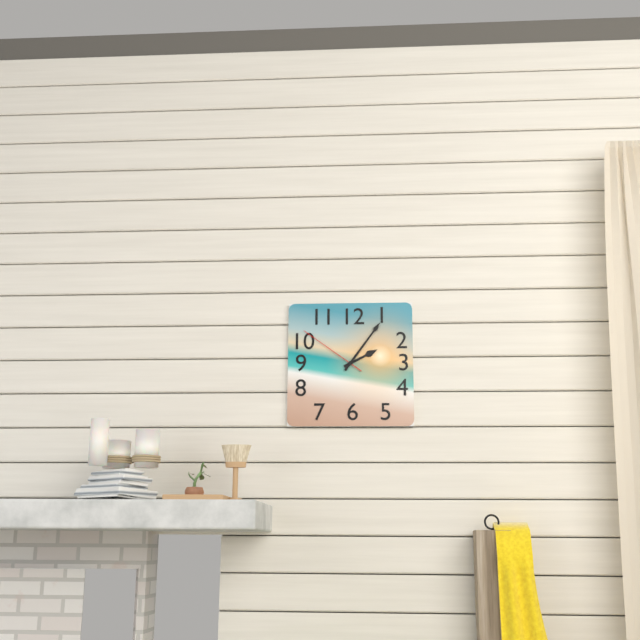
2:06:51
